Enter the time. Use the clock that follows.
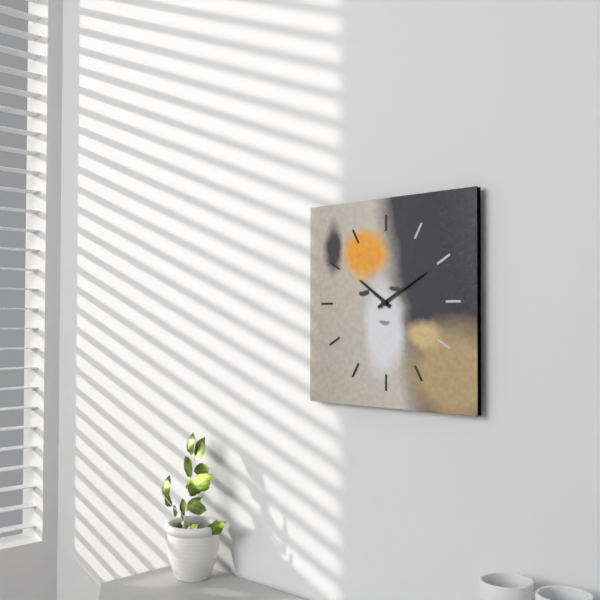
10:10
